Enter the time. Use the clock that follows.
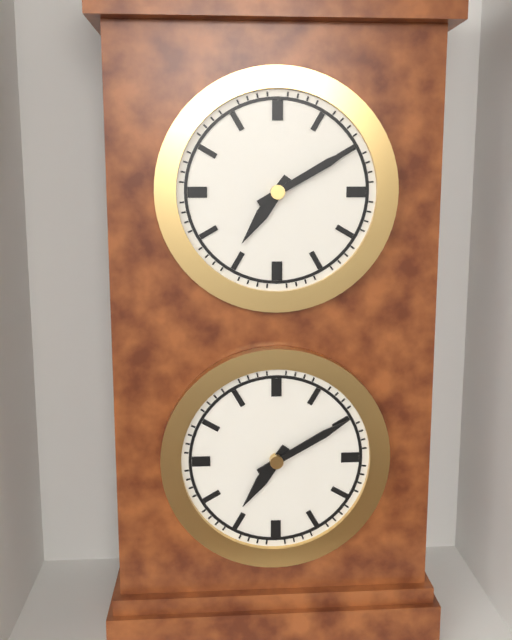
7:10
